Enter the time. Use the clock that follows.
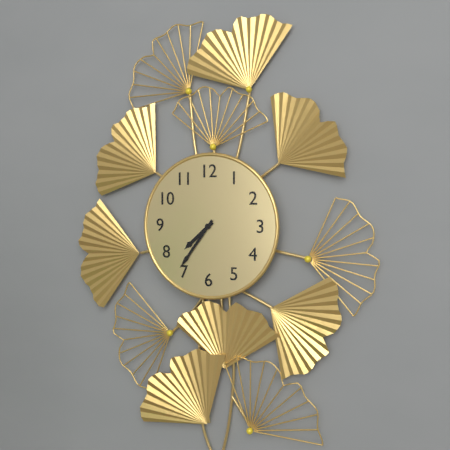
7:36
